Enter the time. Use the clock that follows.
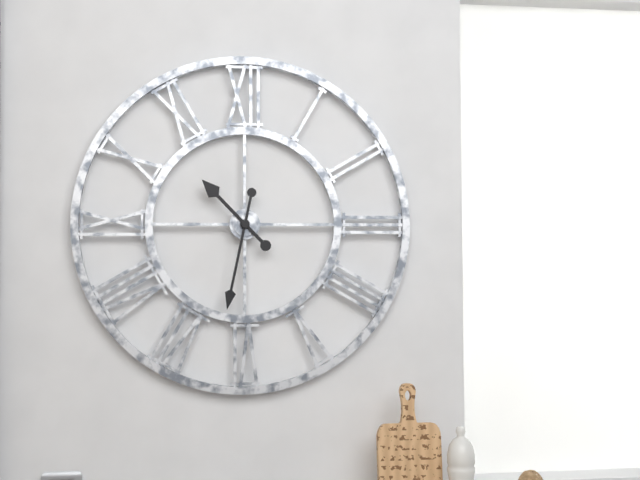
10:32
